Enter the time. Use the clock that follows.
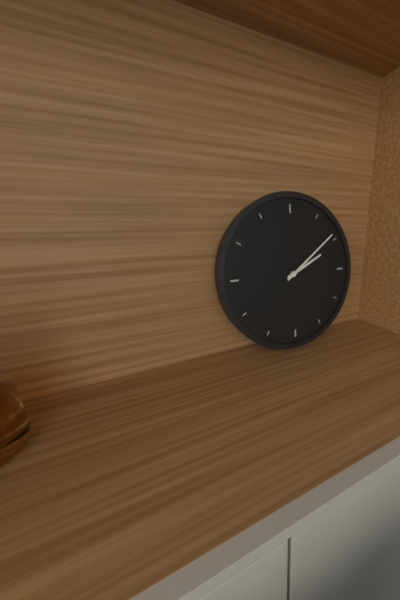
2:09
